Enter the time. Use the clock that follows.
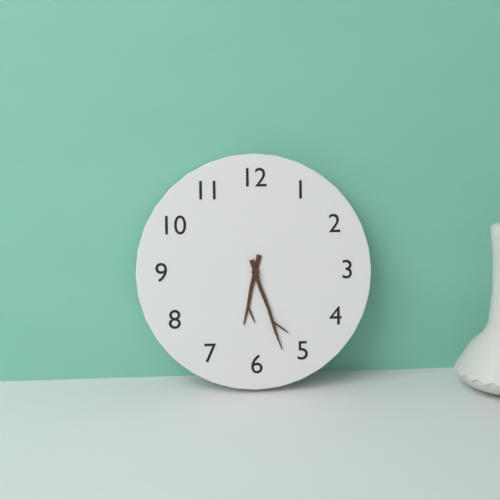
6:27
